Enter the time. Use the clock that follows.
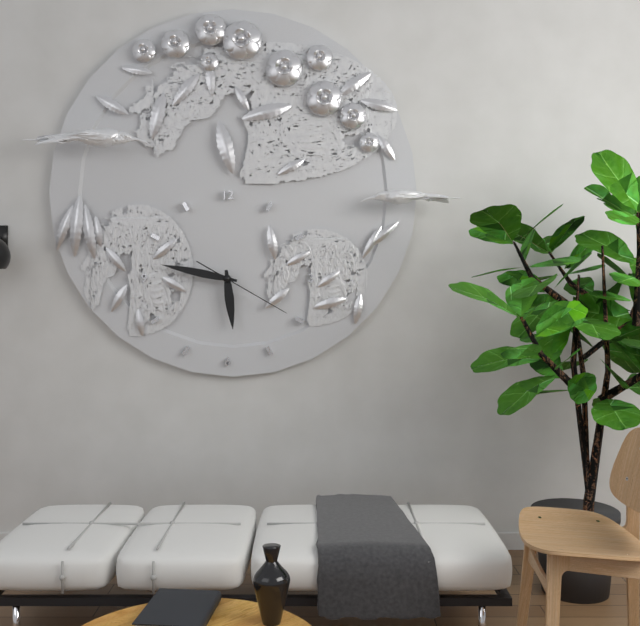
5:47:20
